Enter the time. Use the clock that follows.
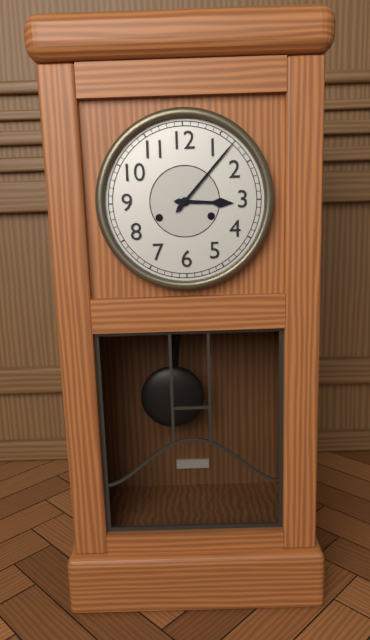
3:07
